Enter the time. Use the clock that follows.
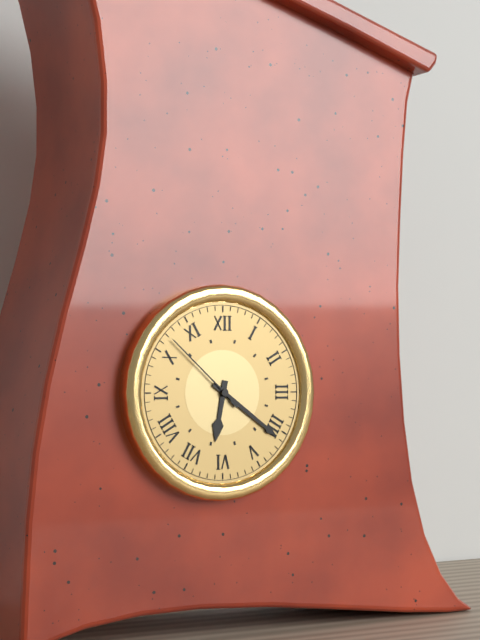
6:21:52
